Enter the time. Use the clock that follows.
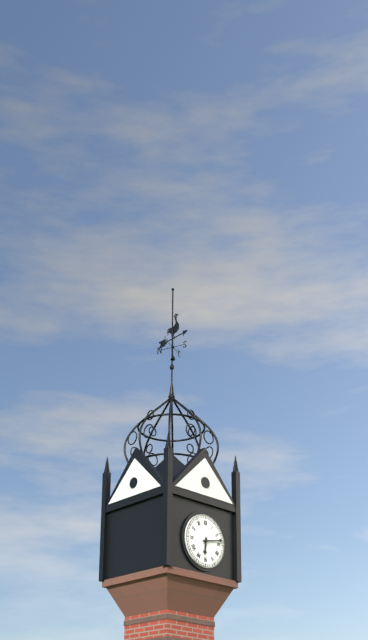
6:13
